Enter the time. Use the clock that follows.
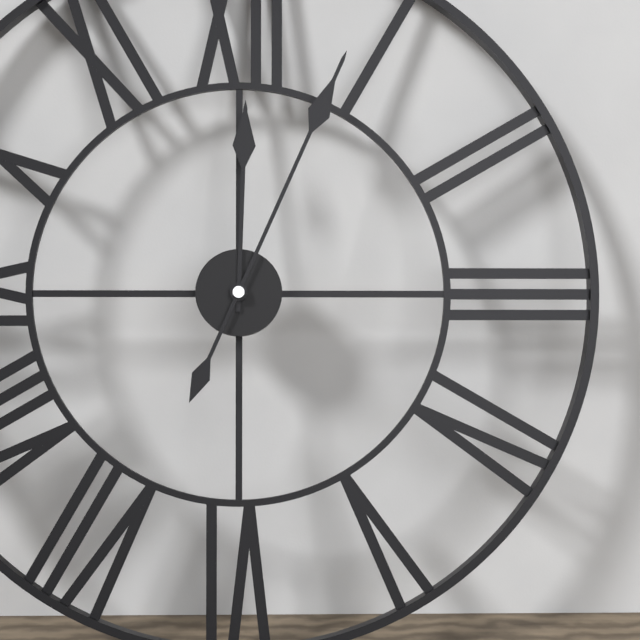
12:04
